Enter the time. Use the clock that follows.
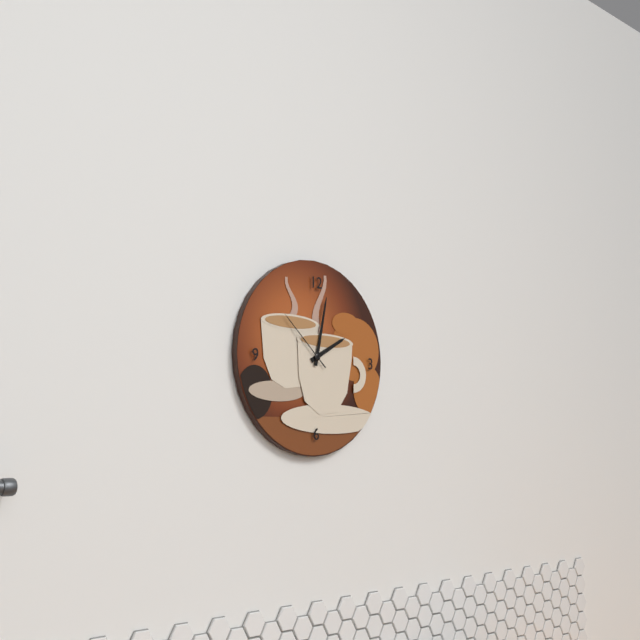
2:02:52
